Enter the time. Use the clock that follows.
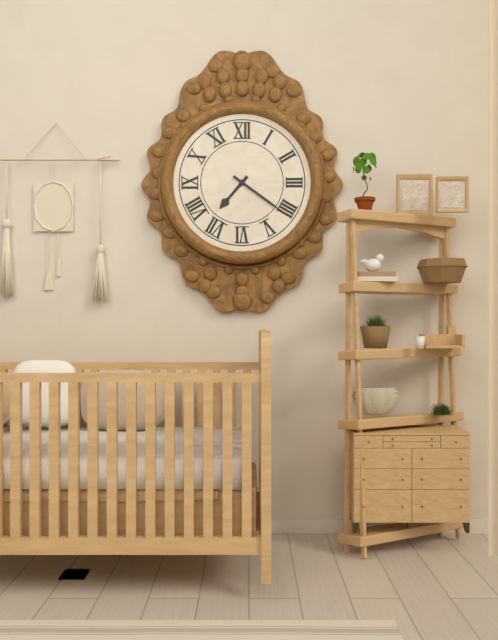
7:21
